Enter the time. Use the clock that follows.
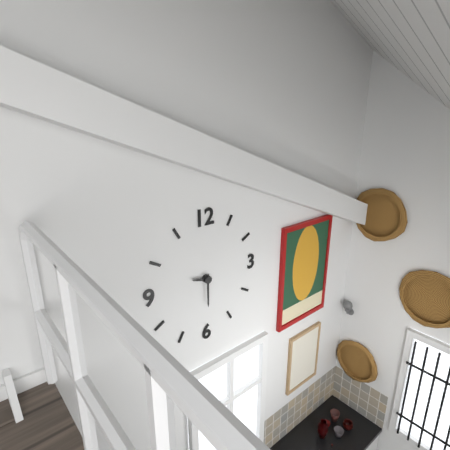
9:30
